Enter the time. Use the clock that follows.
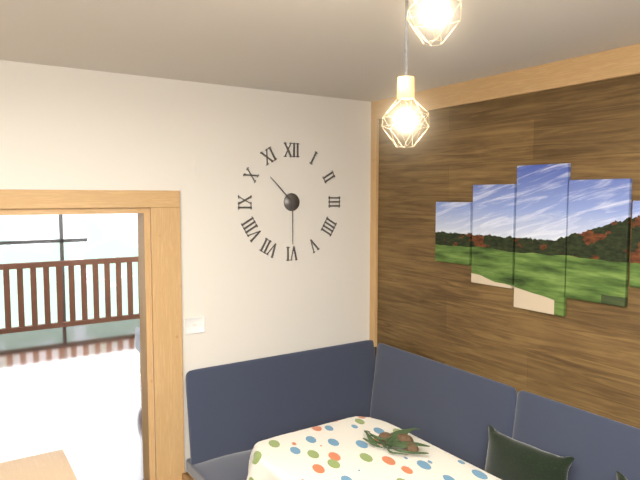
10:30
